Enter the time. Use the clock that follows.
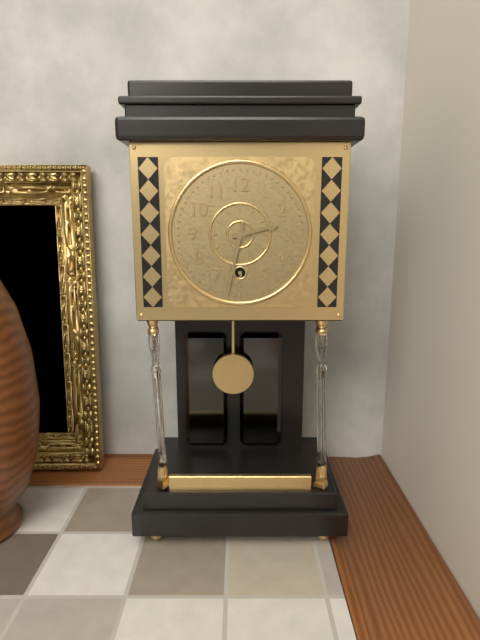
2:32
